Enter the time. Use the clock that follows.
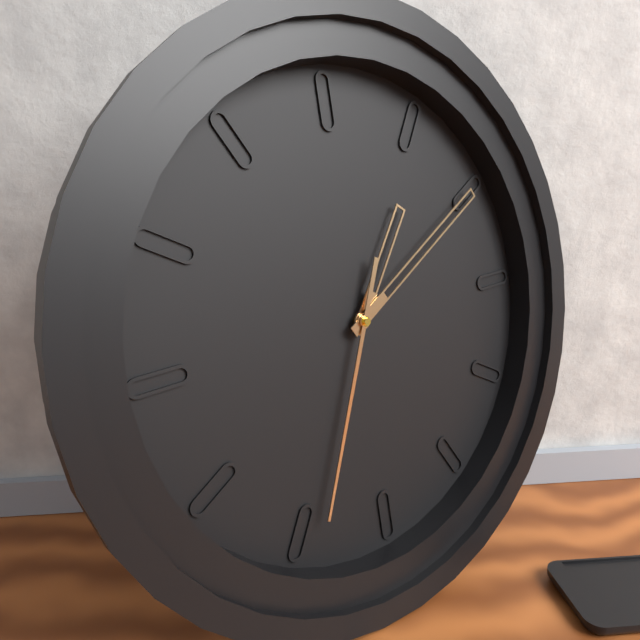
1:10:34
